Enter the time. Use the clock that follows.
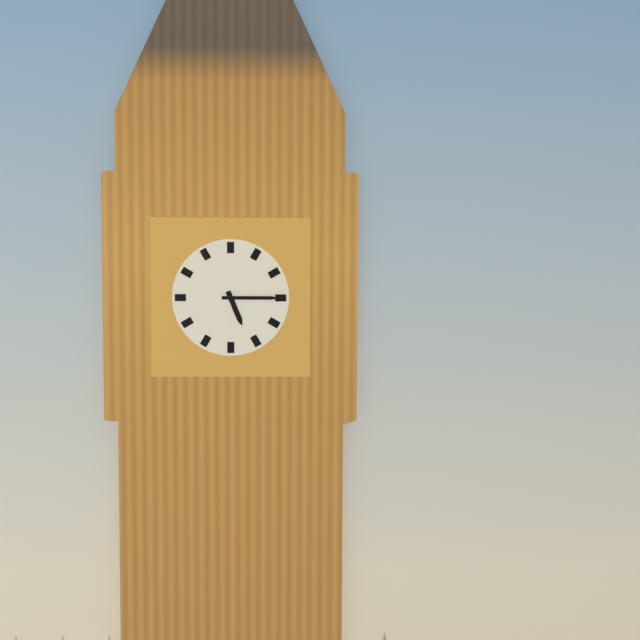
5:15
